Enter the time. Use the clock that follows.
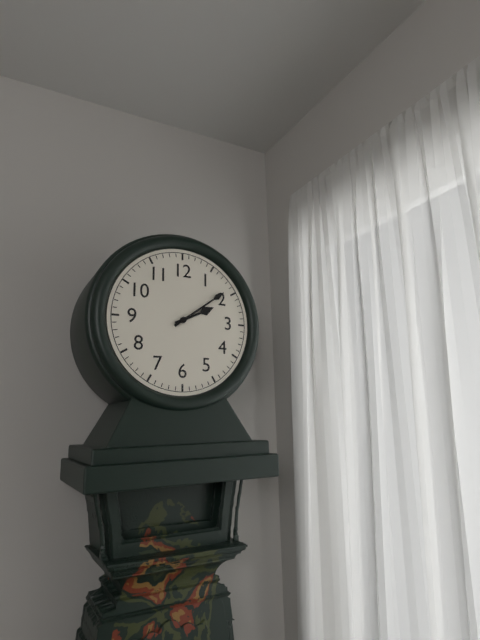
2:09
